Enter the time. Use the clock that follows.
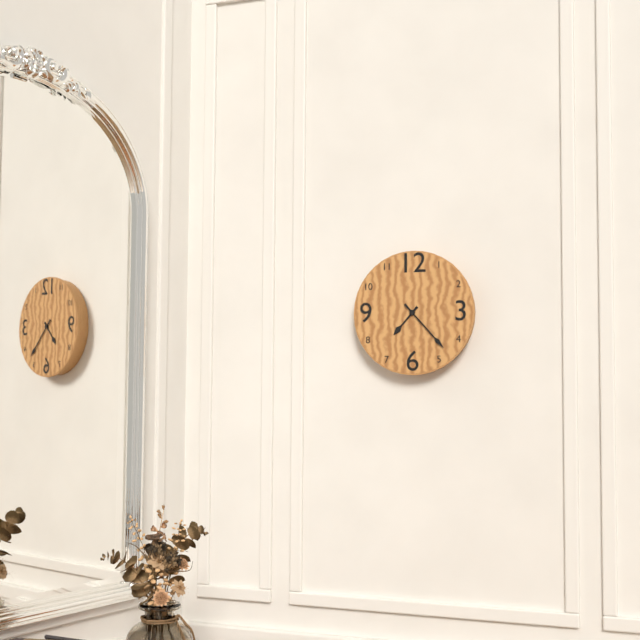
7:23
